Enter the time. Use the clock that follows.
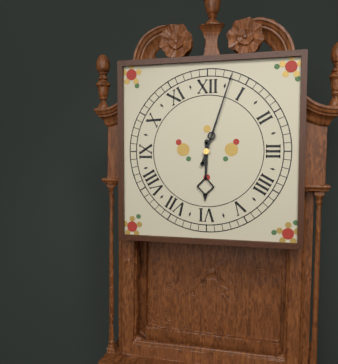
6:03
